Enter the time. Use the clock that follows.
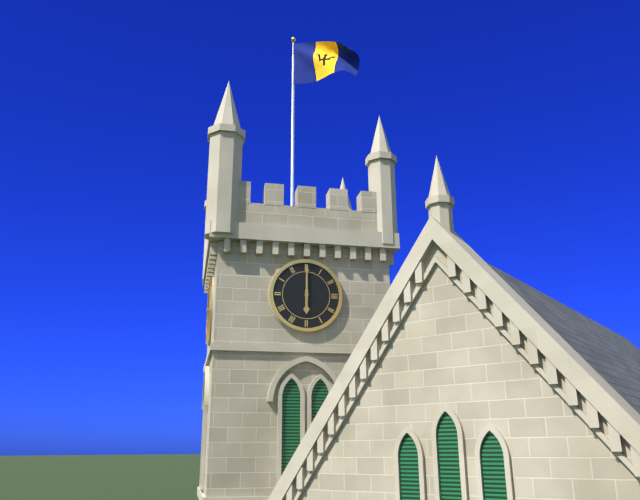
6:00
